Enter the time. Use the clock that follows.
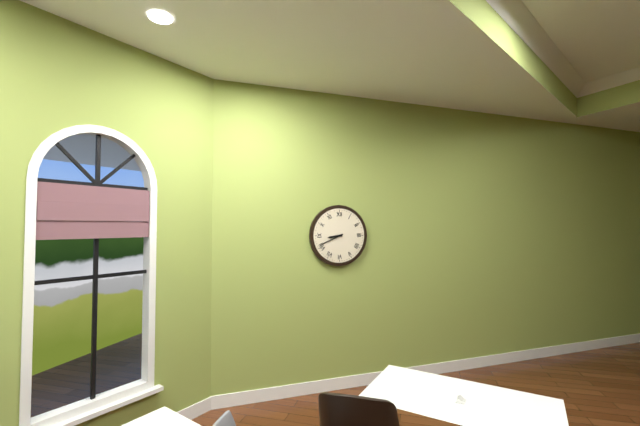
8:41
